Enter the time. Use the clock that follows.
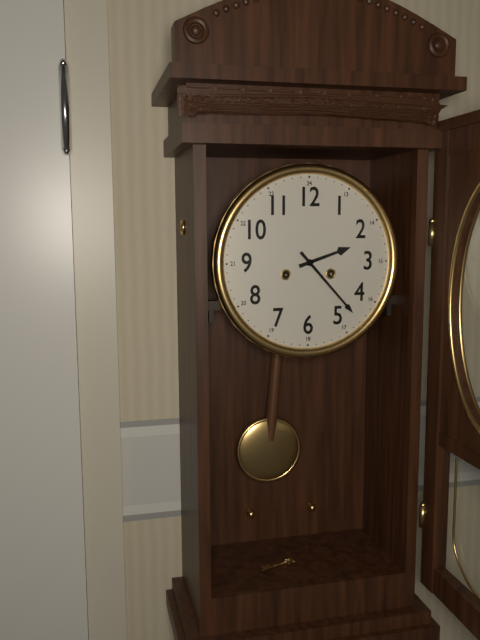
2:23
